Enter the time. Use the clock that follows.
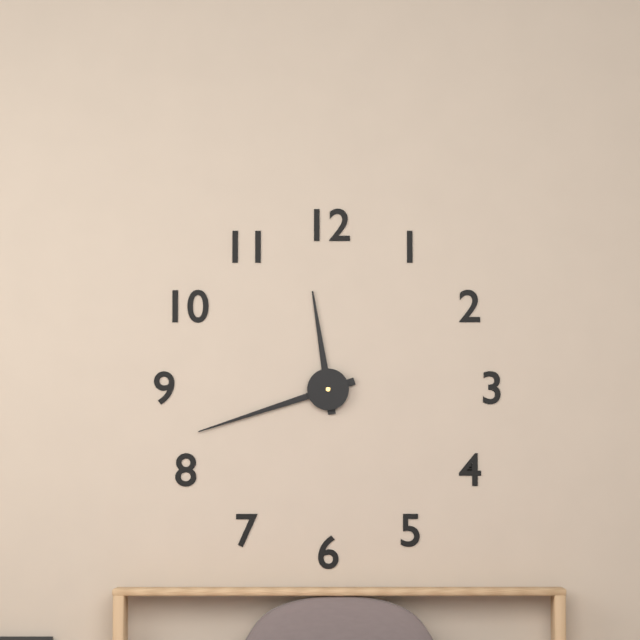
11:42
